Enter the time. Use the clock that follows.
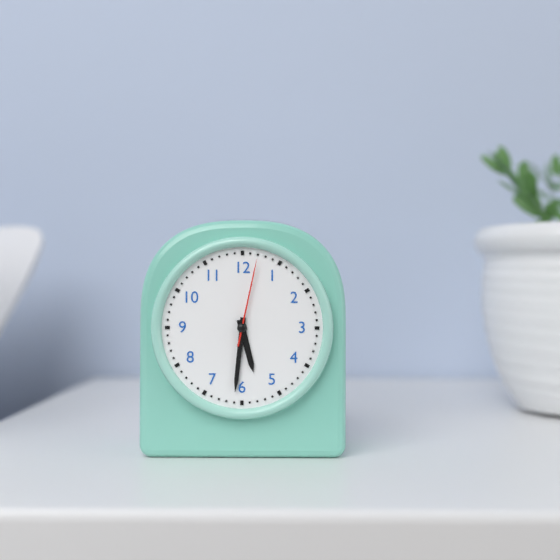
5:31:02
